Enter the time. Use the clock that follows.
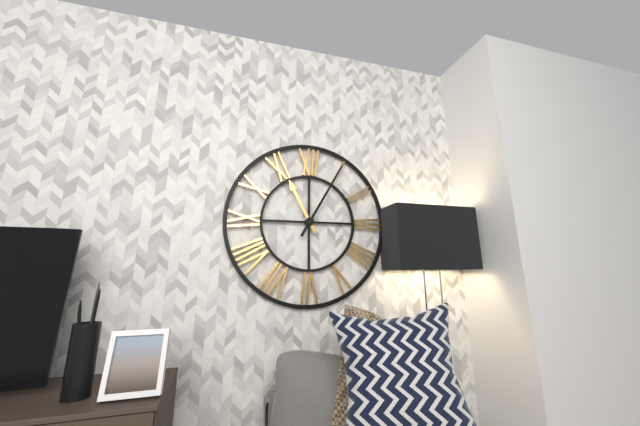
11:05
